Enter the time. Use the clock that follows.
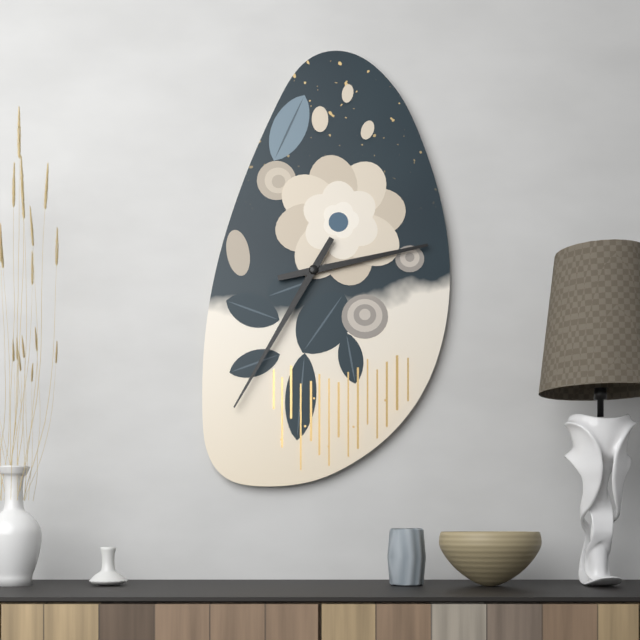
2:35
